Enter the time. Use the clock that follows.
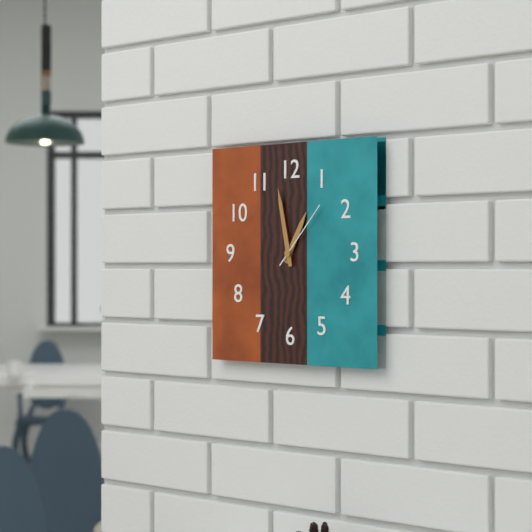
12:58:07
